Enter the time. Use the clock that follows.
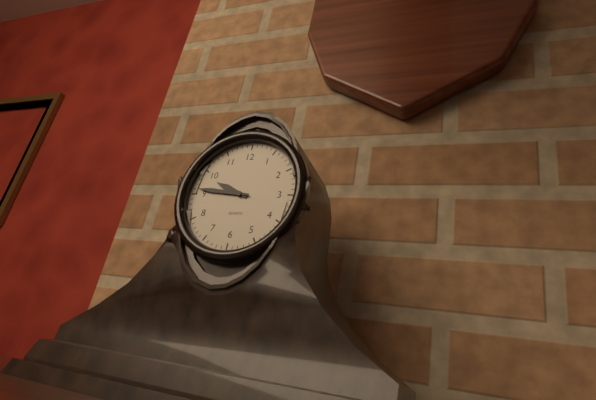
9:46
